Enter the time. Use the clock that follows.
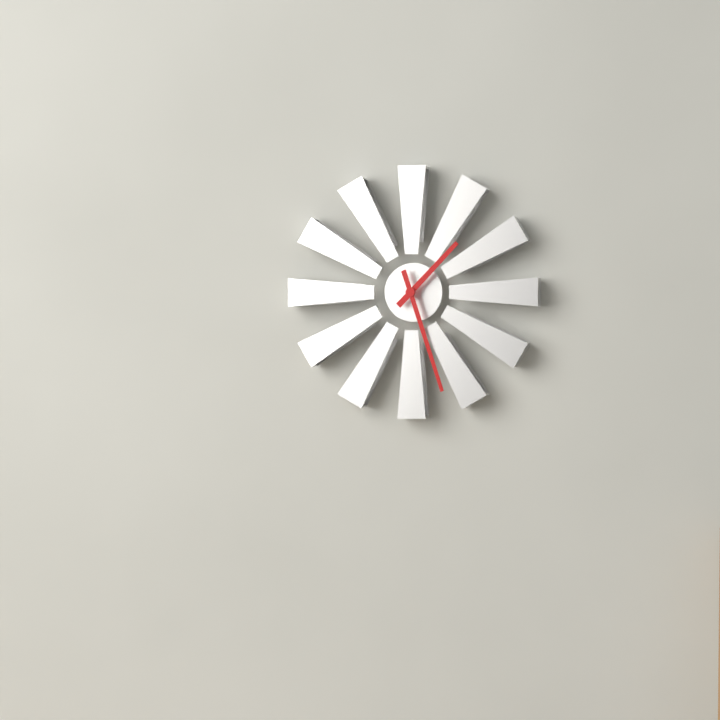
1:27
